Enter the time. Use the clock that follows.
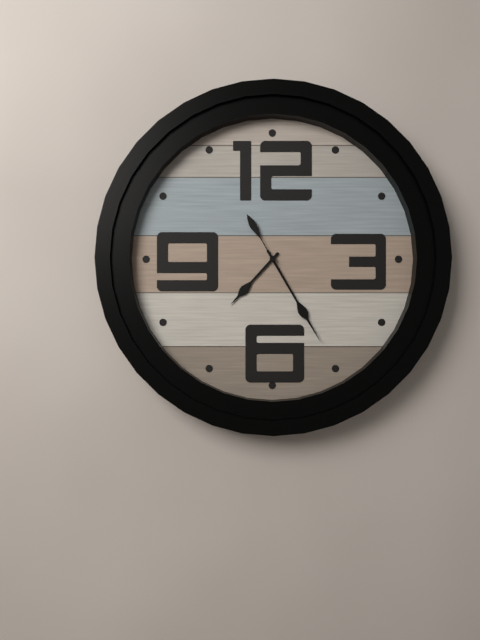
7:25:25
